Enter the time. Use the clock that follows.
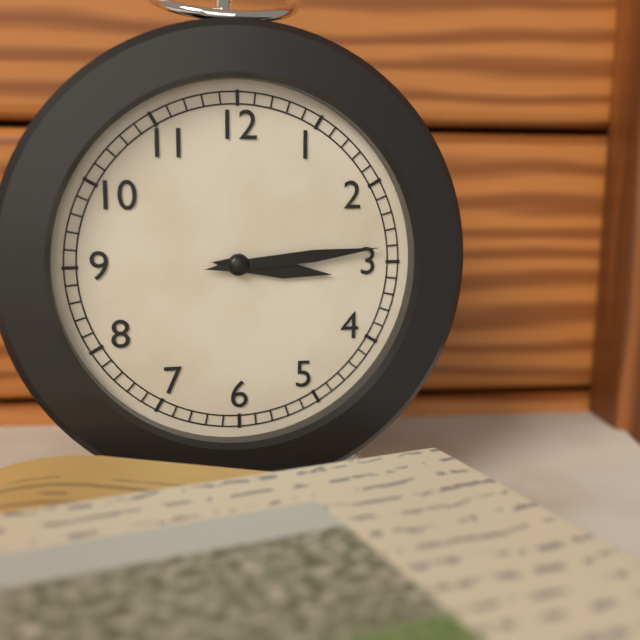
3:14
